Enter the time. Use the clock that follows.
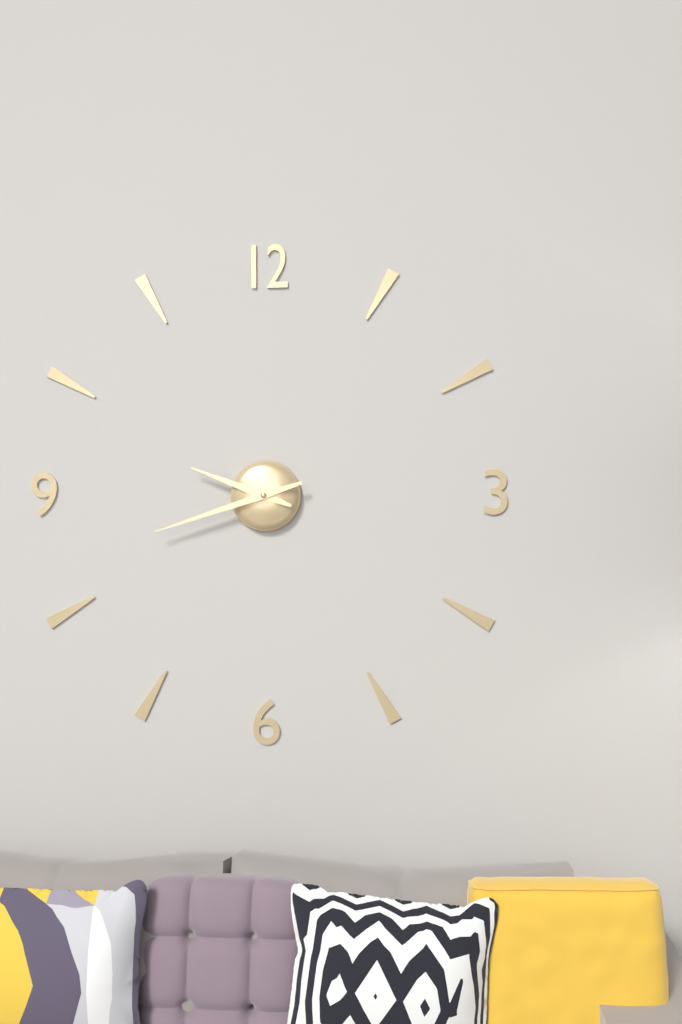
9:42
